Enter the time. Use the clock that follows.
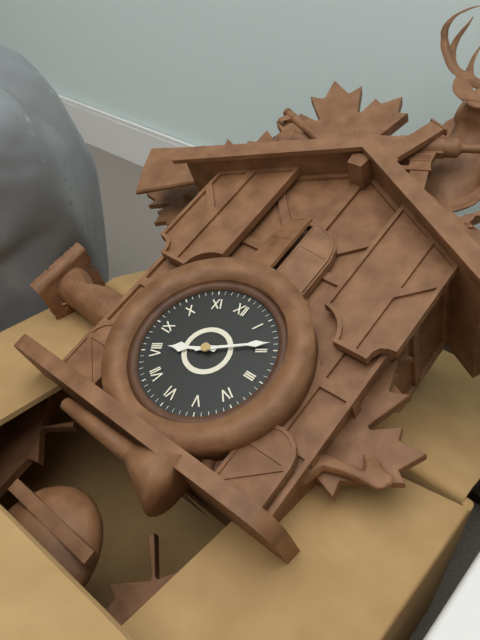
8:09
